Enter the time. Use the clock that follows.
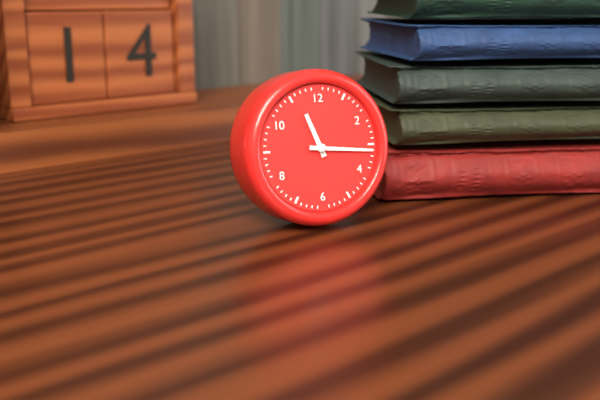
11:16
